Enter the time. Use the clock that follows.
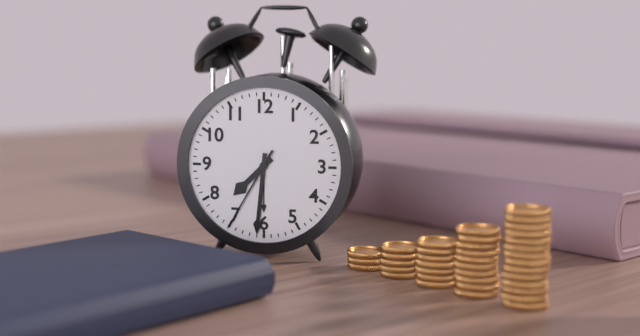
7:31:35
